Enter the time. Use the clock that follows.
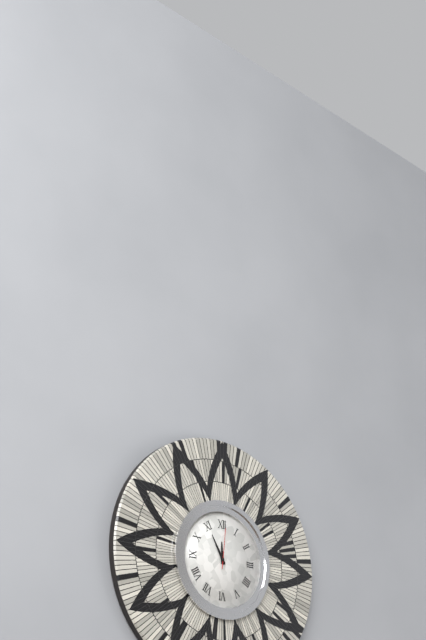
11:55
